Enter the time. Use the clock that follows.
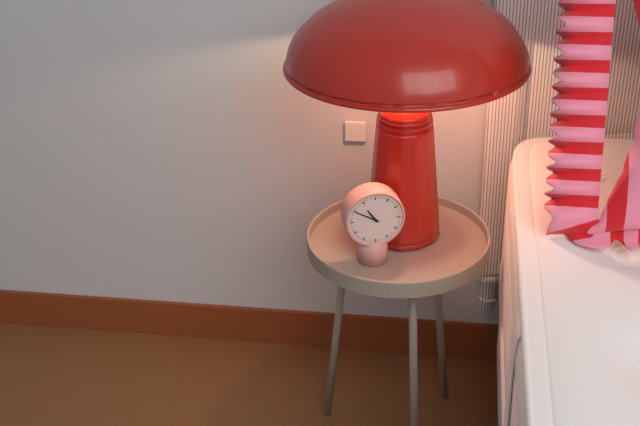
10:50
